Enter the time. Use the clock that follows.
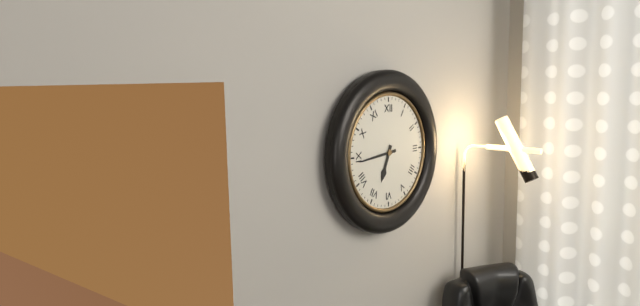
6:44
